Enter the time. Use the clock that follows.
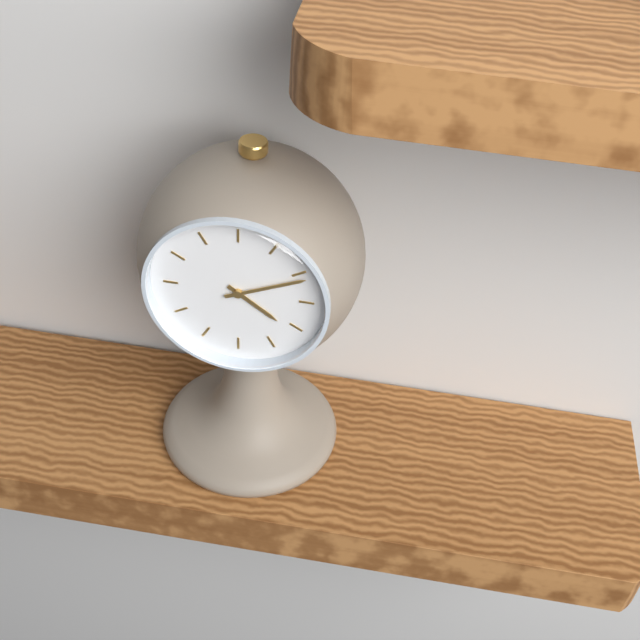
4:11
